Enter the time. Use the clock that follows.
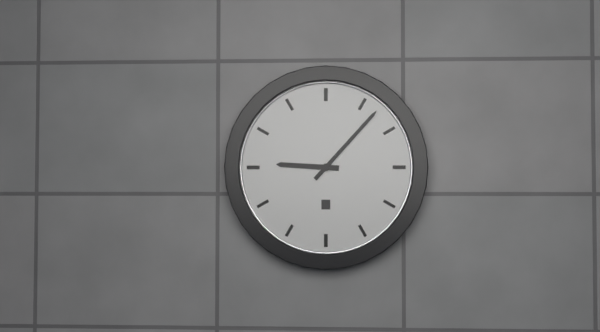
9:07
